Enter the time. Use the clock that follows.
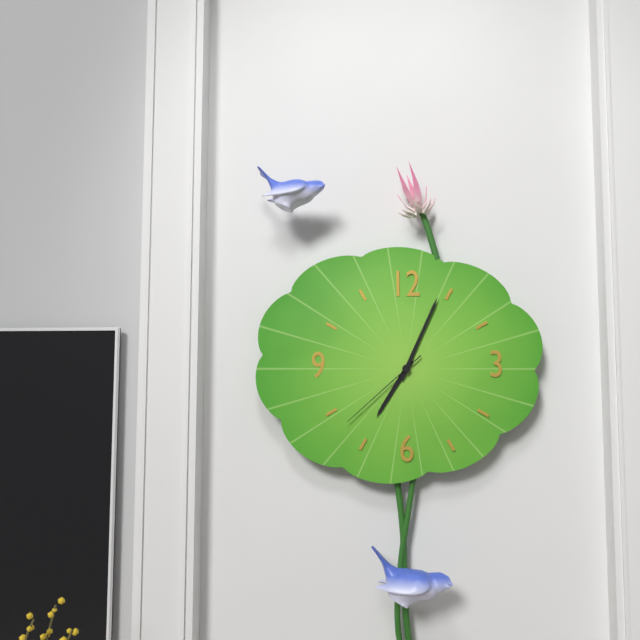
7:04:38
